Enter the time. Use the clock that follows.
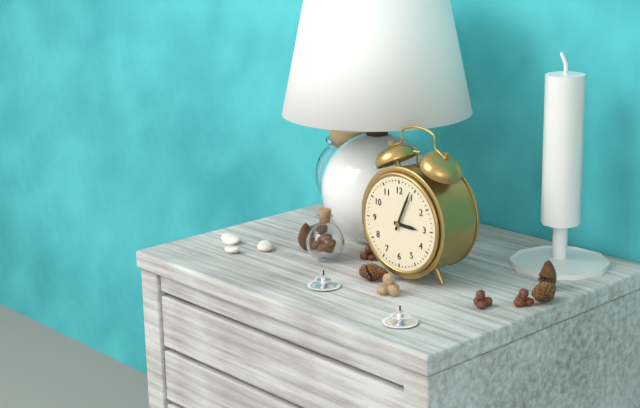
3:04
